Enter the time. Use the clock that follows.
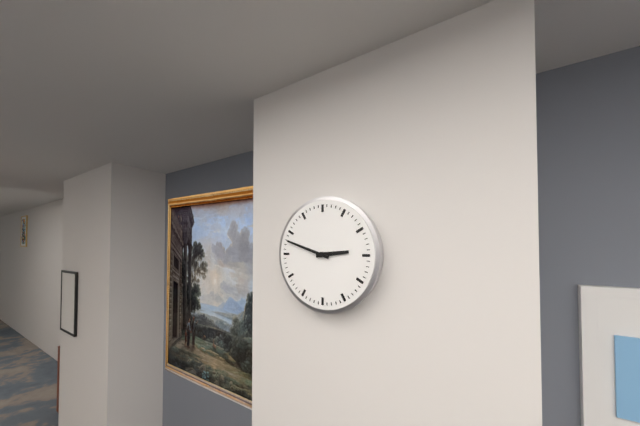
2:48
